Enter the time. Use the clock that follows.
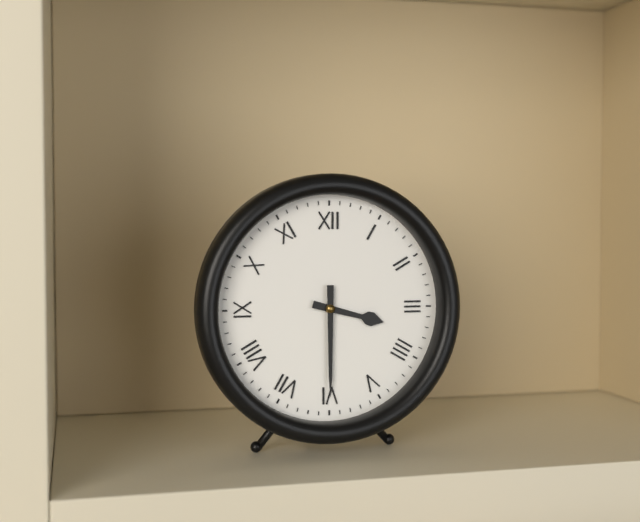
3:30
